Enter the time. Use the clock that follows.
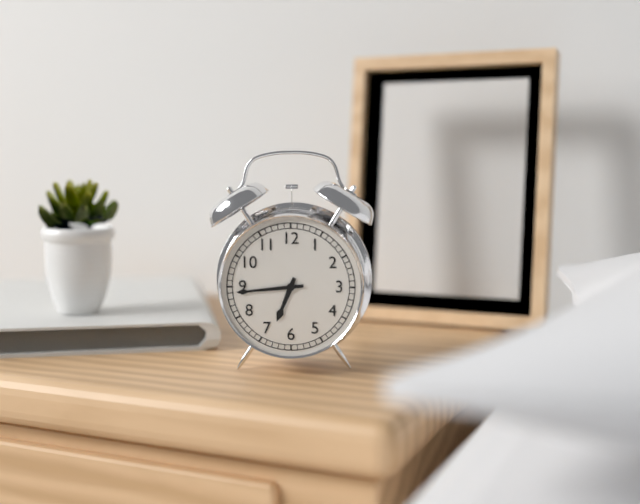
6:44
